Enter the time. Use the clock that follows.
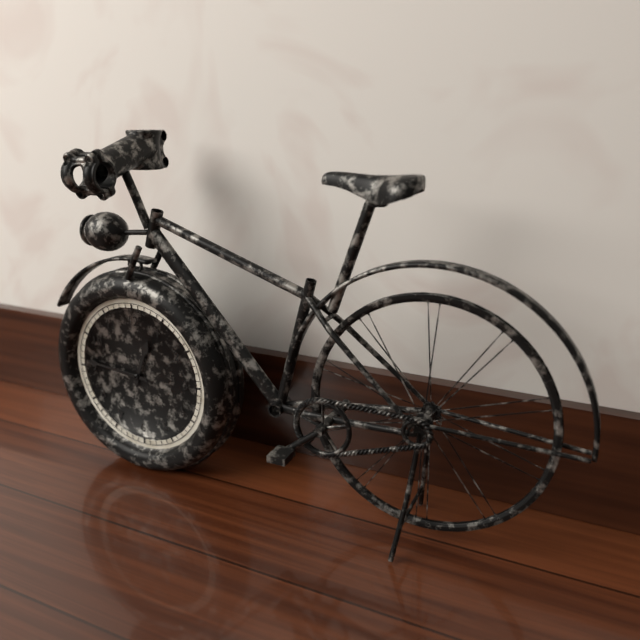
12:46
